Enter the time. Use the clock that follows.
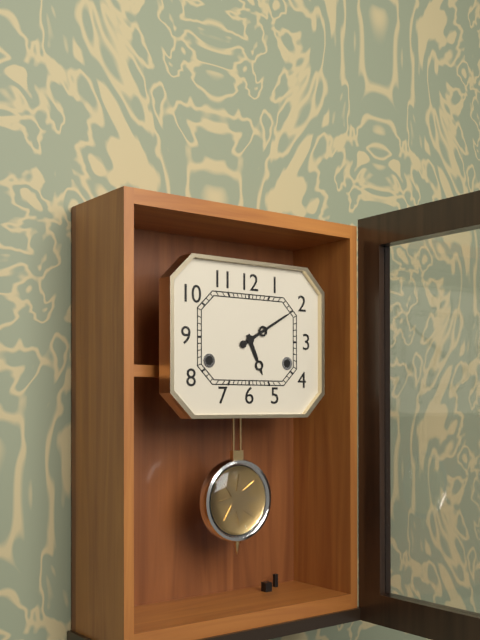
5:10
